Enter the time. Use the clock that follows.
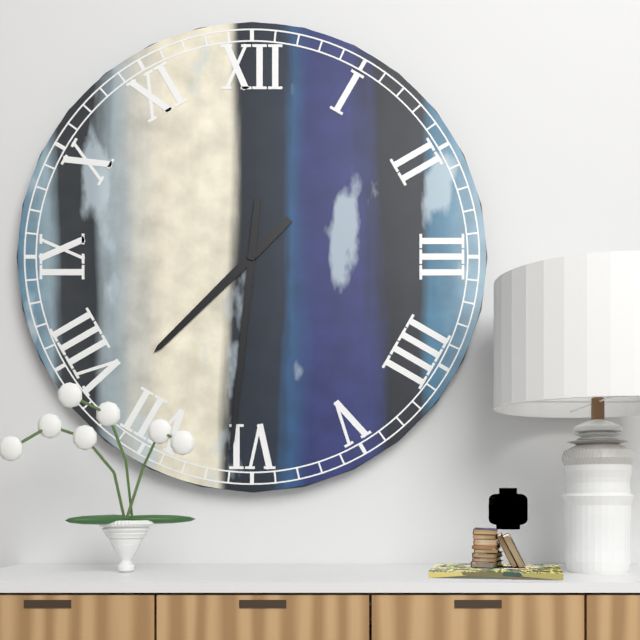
7:31
